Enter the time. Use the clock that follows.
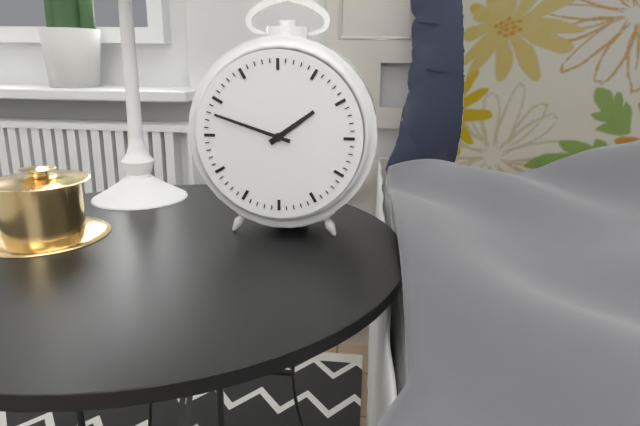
1:48
